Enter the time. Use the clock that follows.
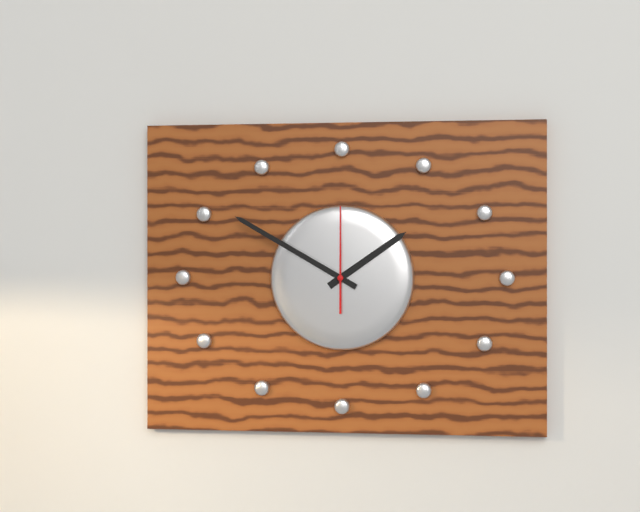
1:50:00
